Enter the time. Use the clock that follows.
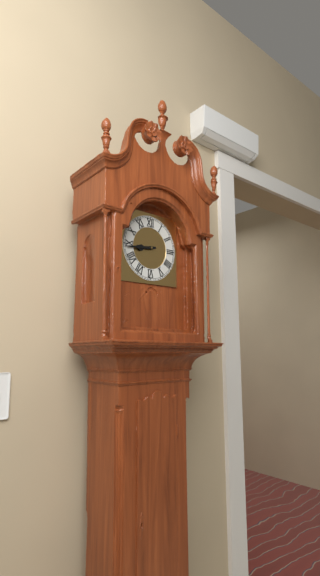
8:44
